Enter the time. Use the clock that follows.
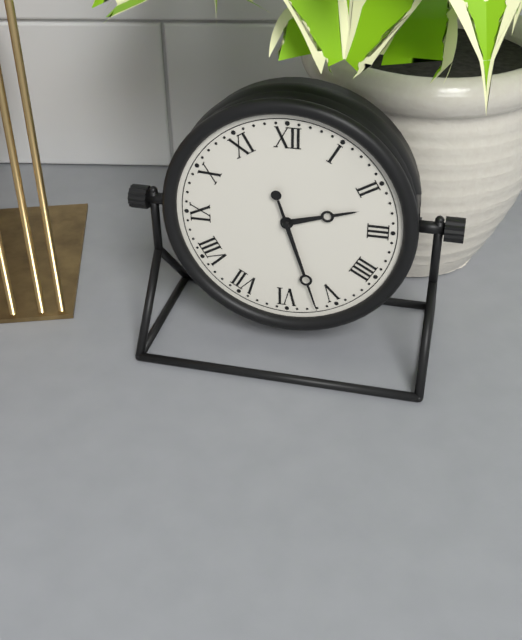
2:27
